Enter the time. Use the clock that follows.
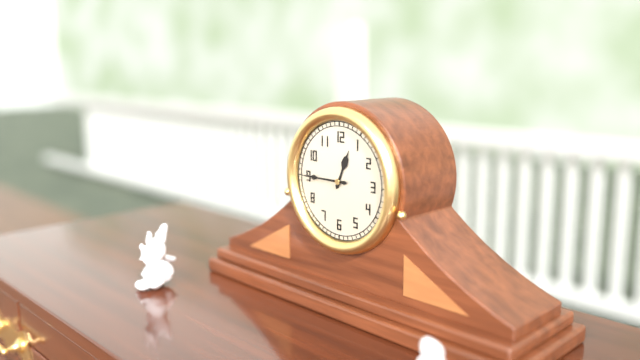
12:45
